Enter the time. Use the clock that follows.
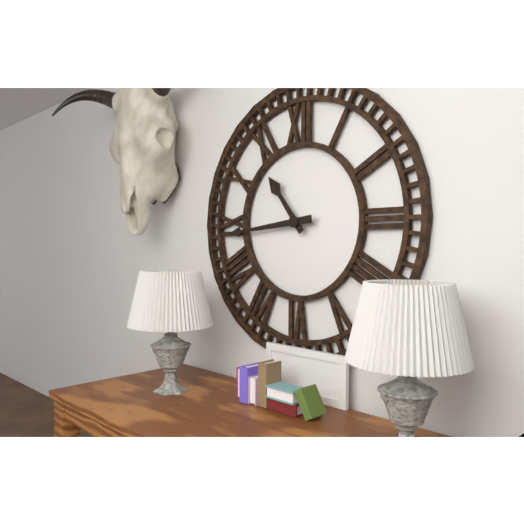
10:44
